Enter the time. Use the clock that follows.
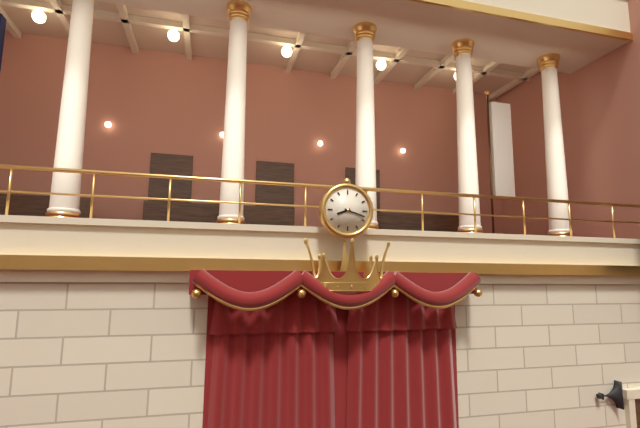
8:18
